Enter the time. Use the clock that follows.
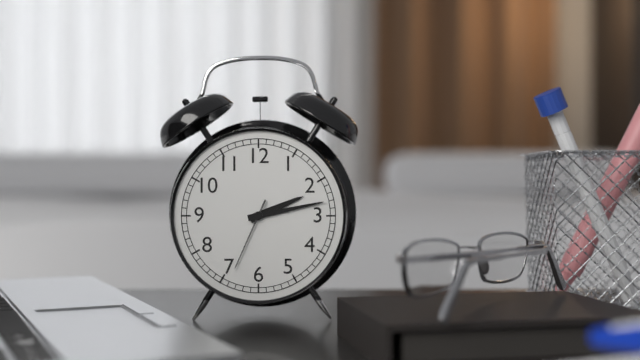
2:13:34
